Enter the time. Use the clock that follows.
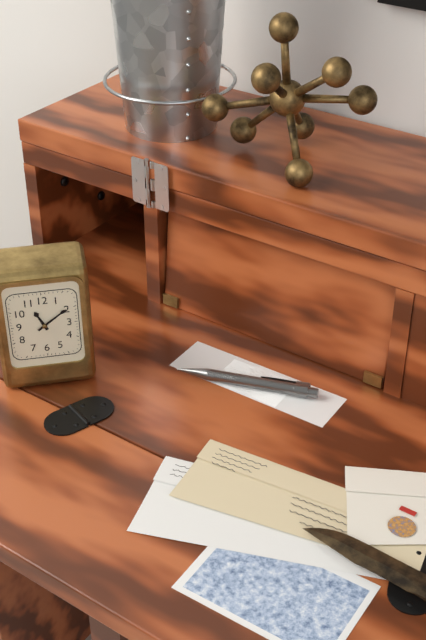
11:09
